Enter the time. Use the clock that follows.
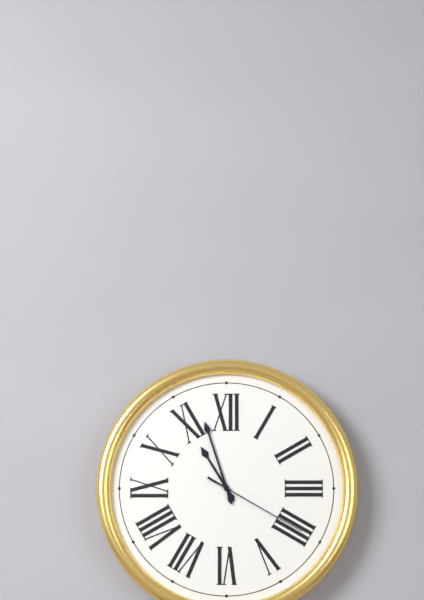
10:57:20
